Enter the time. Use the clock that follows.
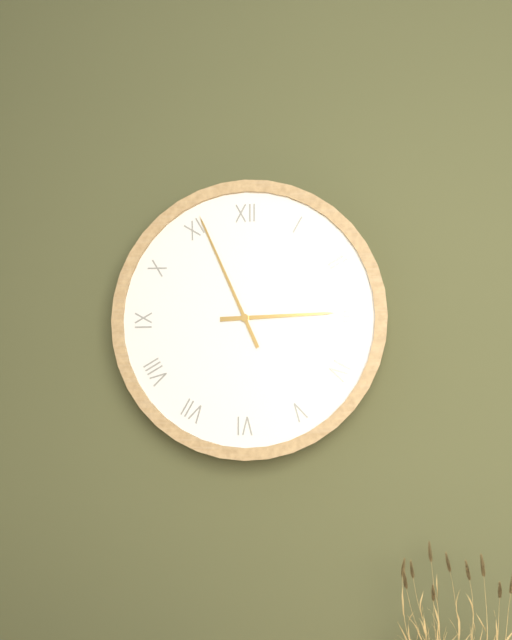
2:56
